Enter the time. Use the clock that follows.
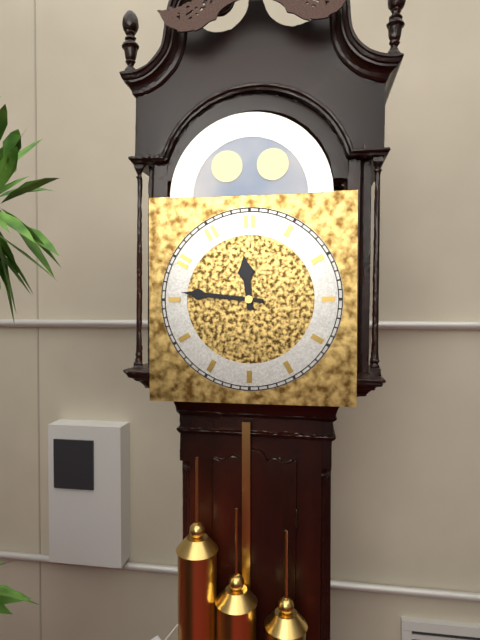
11:46
